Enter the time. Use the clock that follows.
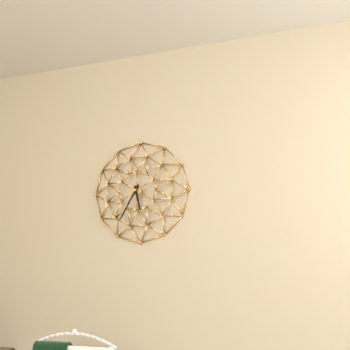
5:35
